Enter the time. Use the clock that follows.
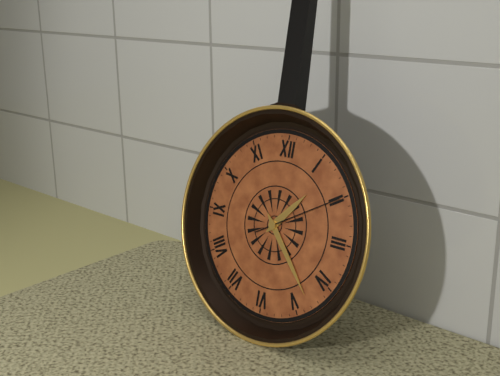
1:23:10
